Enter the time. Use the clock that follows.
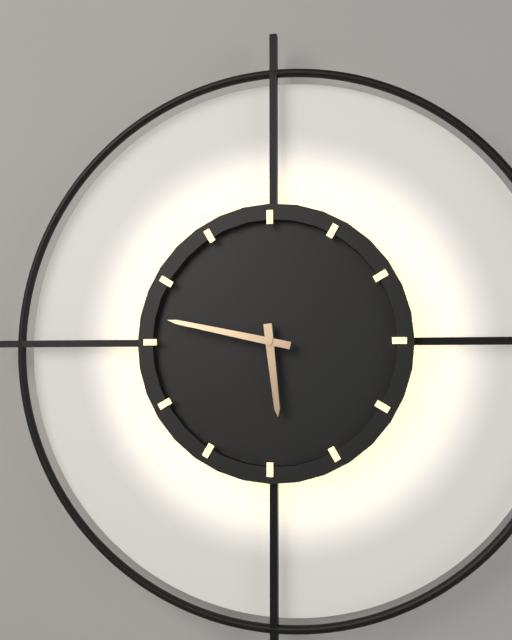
5:47
